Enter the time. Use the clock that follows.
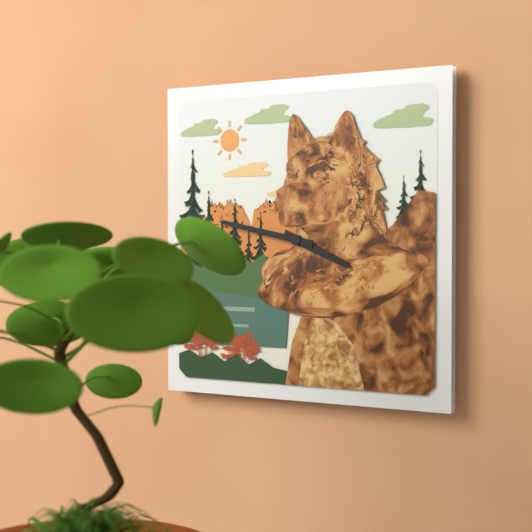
3:47
